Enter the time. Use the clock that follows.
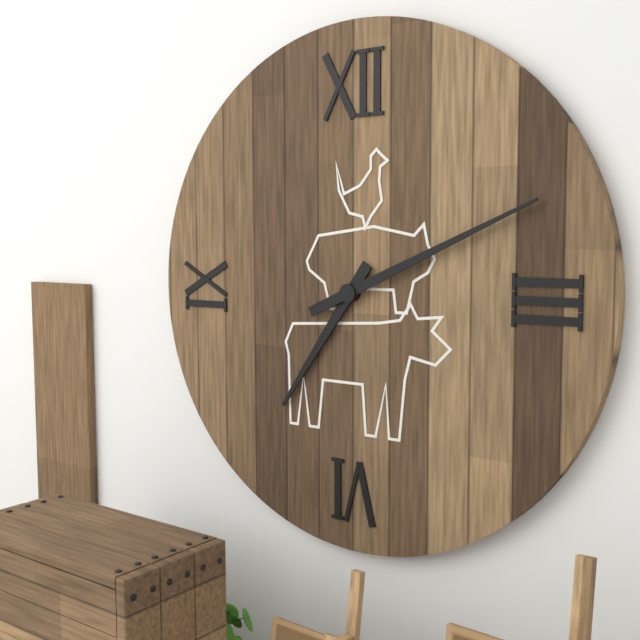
7:11
